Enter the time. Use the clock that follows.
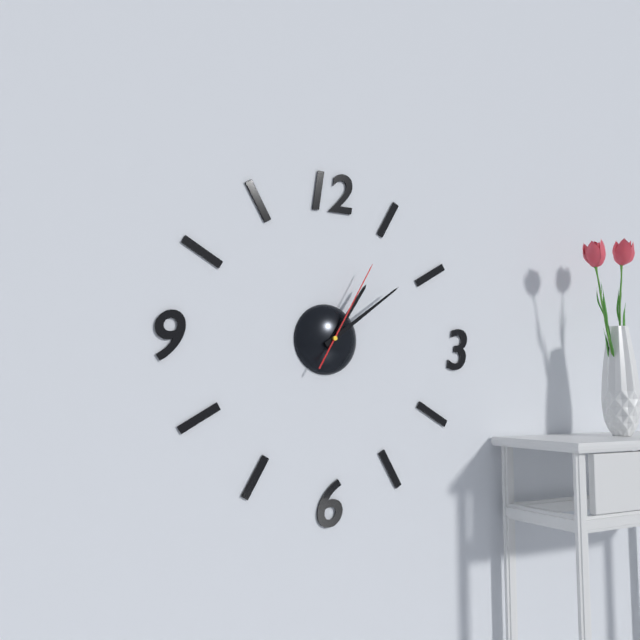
1:09:05
